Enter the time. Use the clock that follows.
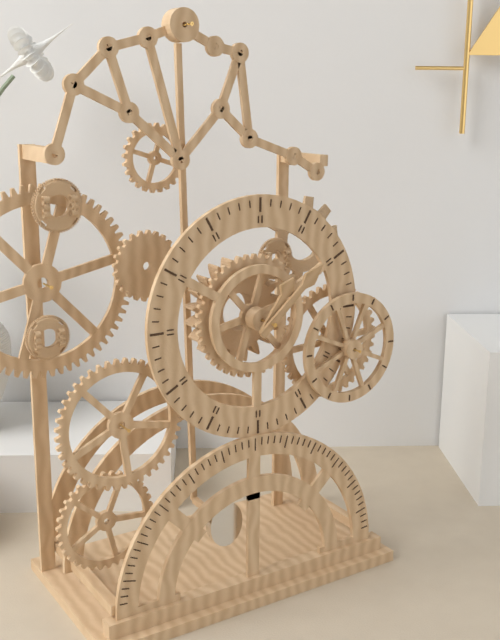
1:08
